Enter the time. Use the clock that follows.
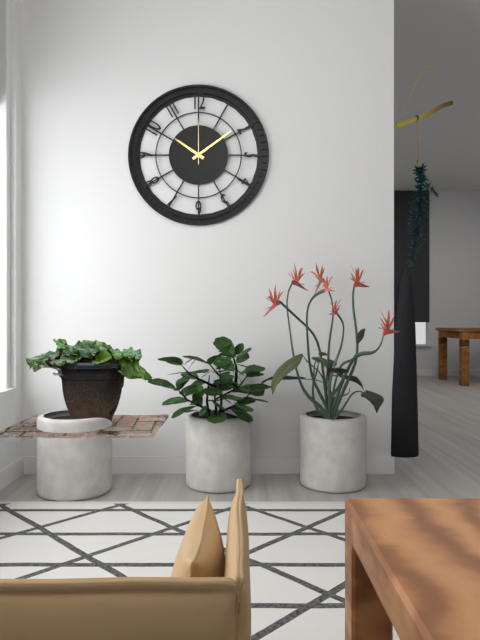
10:09
